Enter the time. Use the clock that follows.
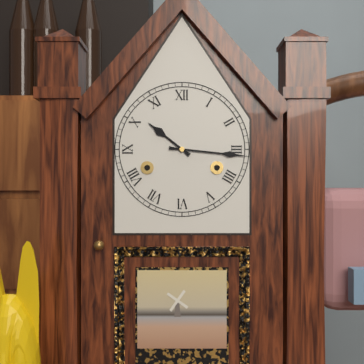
10:16
